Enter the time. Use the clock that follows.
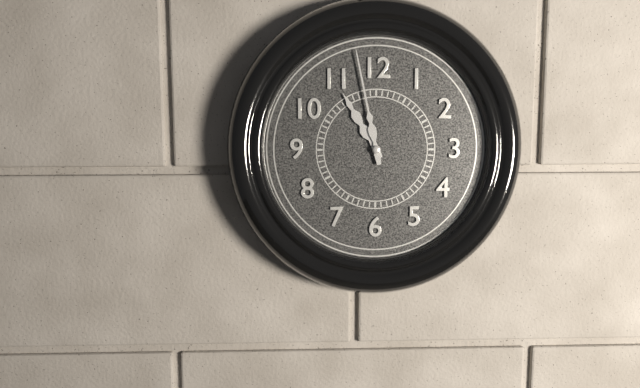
10:58
